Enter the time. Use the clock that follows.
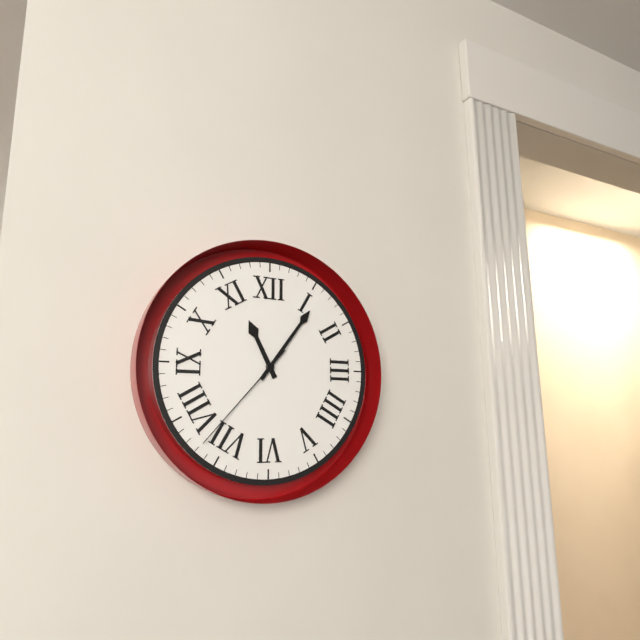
11:06:37
